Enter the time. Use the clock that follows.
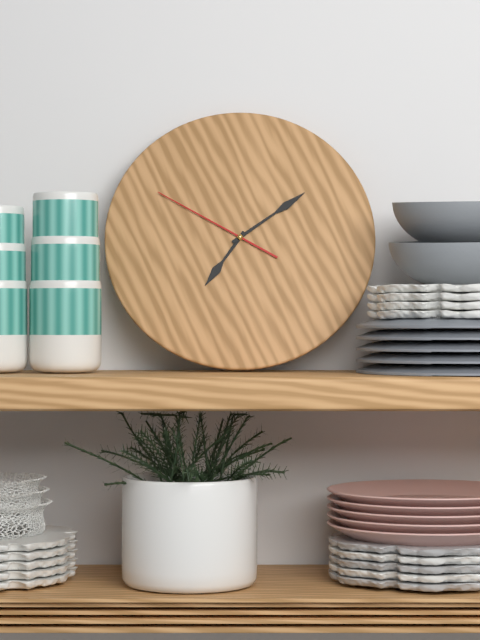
7:09:50
